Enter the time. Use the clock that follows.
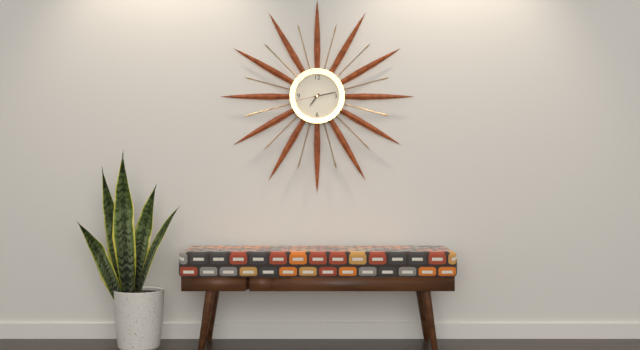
7:13
